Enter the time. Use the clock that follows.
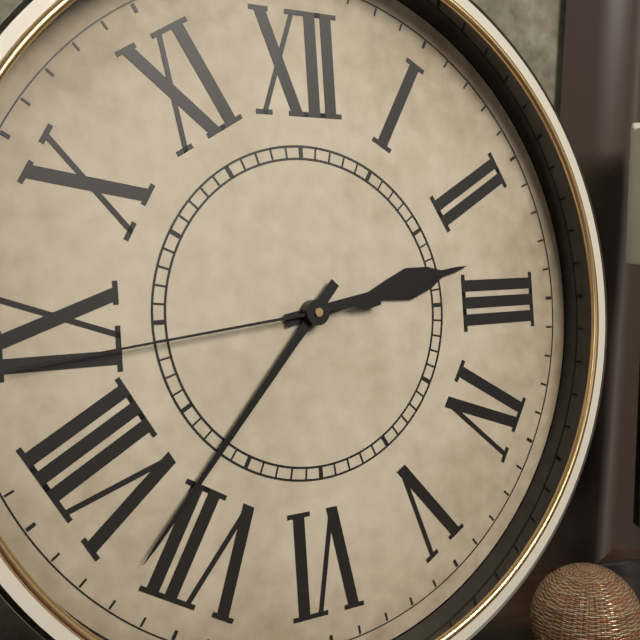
2:37:44
